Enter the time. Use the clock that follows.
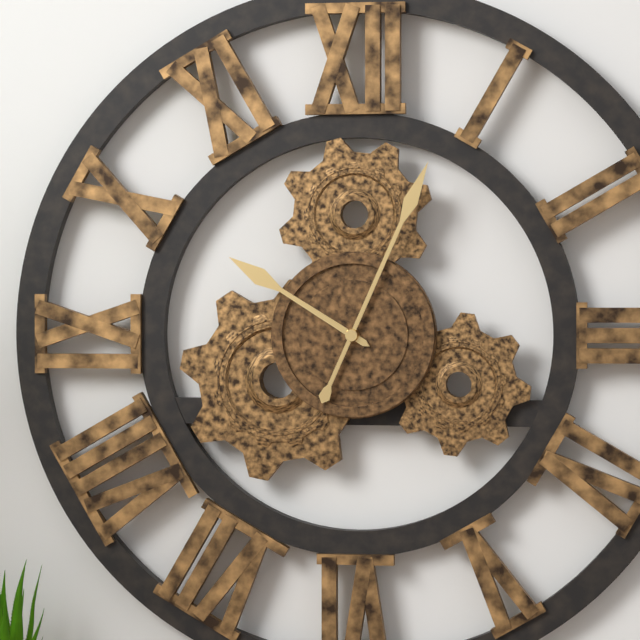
10:04
